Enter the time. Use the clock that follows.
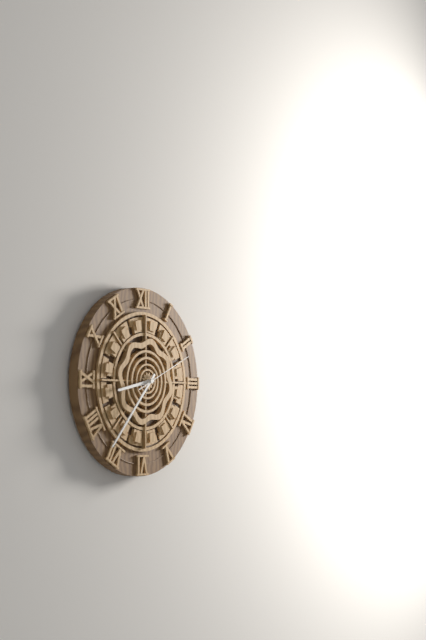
8:37:11
